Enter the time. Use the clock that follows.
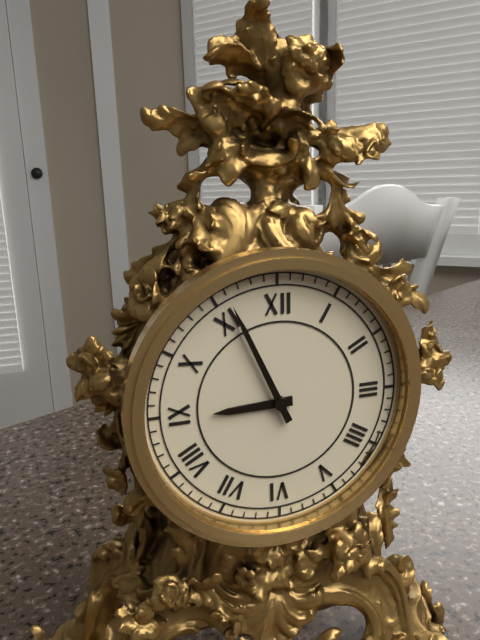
8:56
